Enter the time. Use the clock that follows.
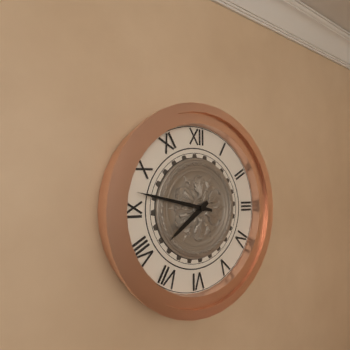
7:47
